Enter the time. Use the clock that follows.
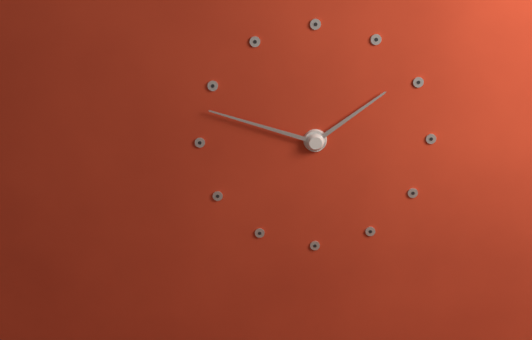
1:48
